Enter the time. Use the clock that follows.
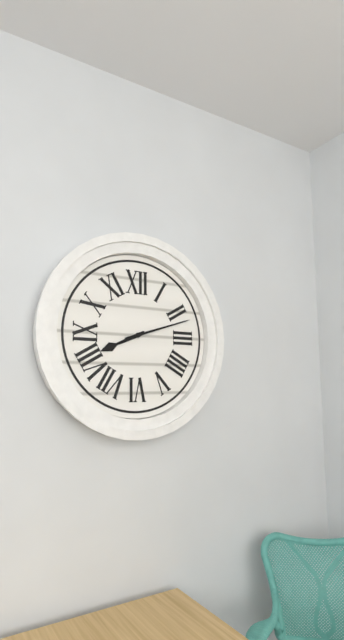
8:12
